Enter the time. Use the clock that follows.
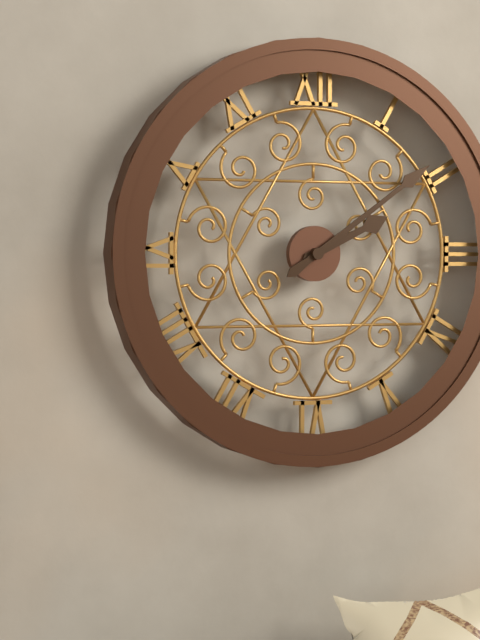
2:09
